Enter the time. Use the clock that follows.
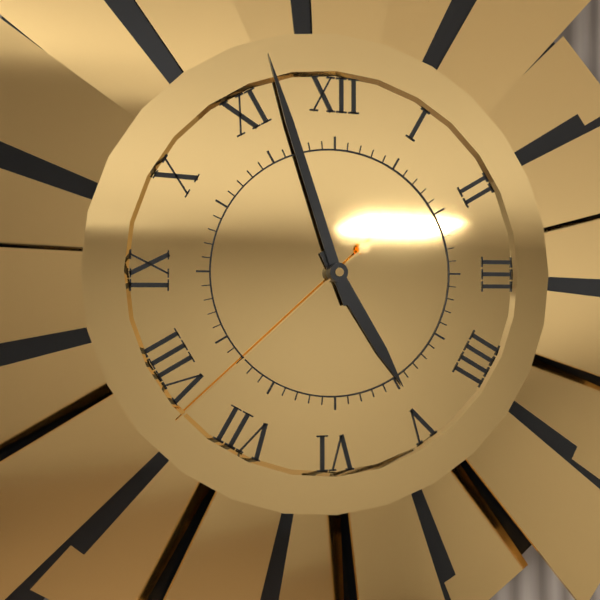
4:57:38
